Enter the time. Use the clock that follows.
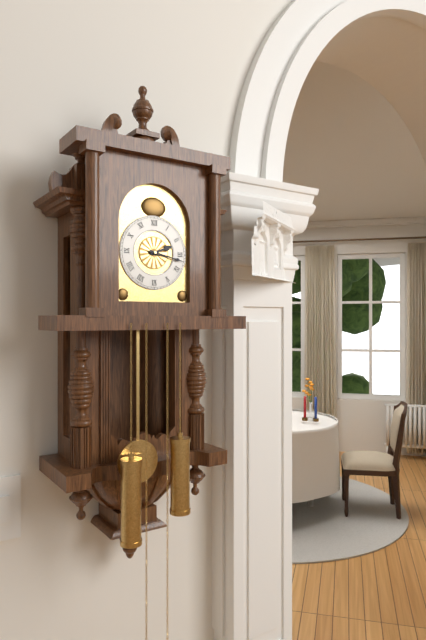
2:17
